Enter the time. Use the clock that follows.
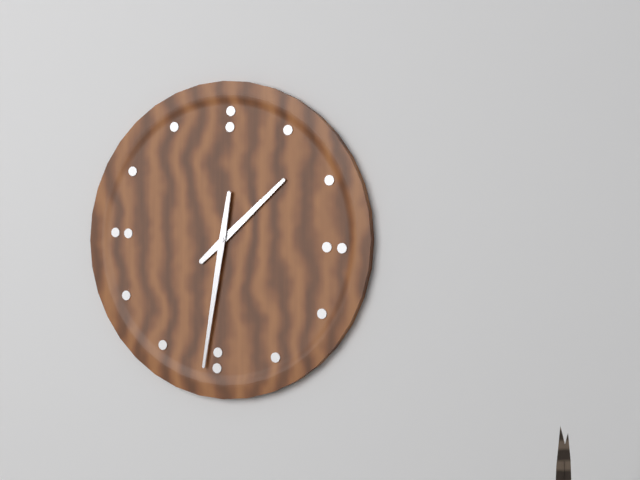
1:31
